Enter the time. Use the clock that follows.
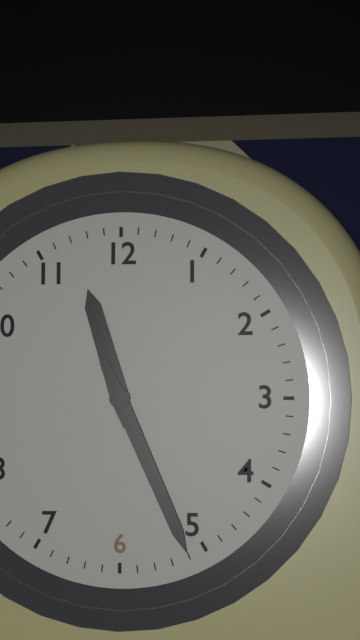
11:26
